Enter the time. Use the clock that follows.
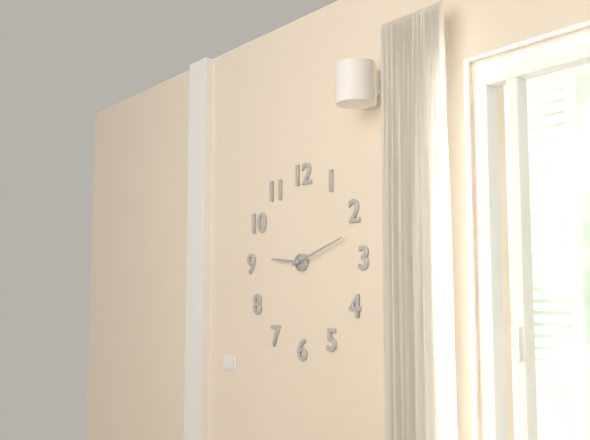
9:12
